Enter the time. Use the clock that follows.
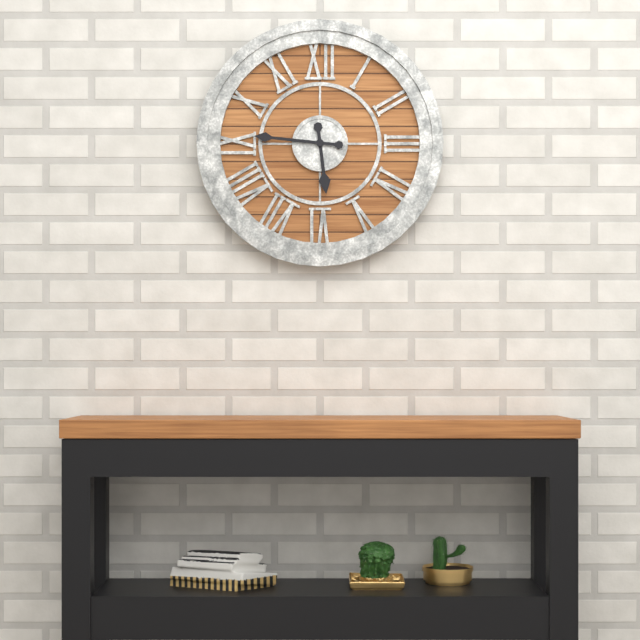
5:46
